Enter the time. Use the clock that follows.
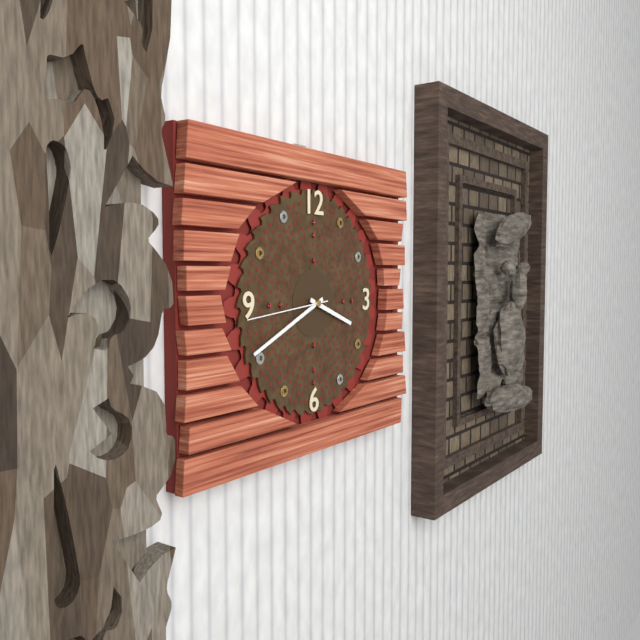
3:41:44
